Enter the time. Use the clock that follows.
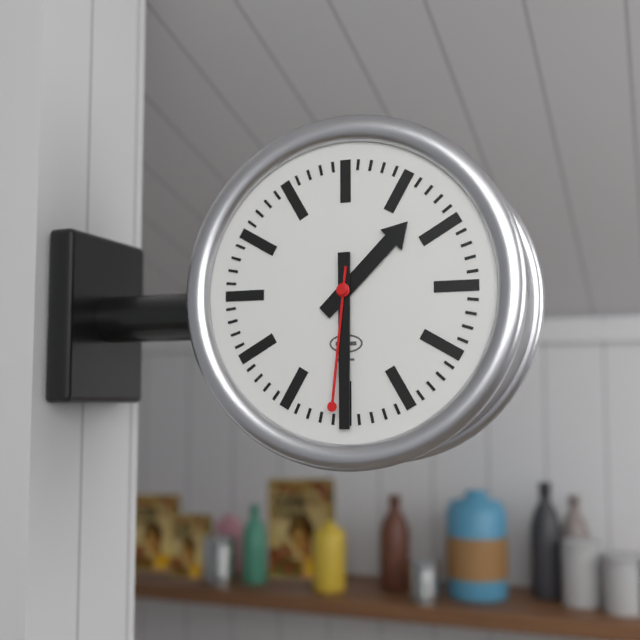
1:30:31
